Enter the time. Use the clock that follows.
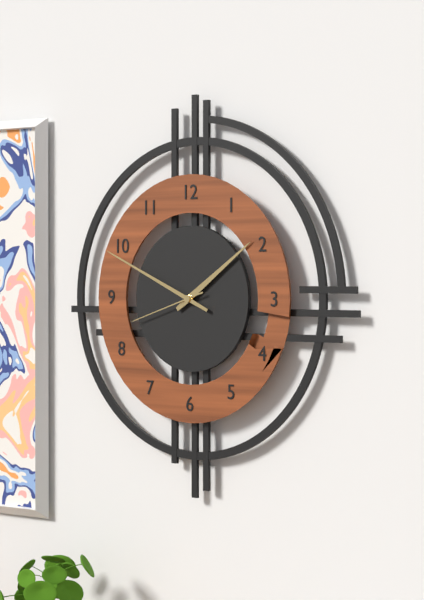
1:49:42
